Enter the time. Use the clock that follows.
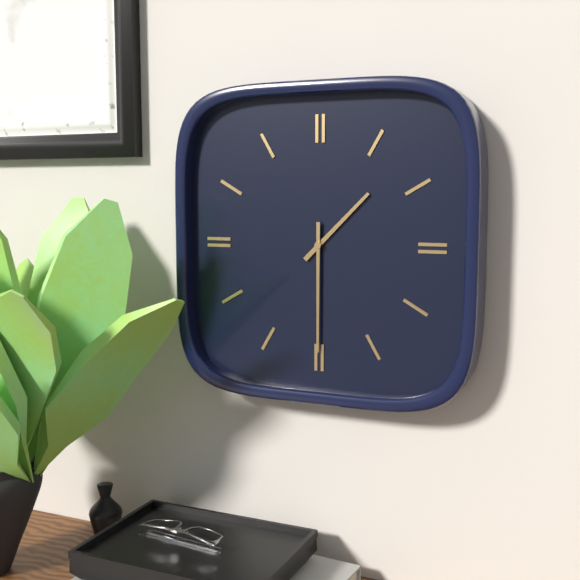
1:30
